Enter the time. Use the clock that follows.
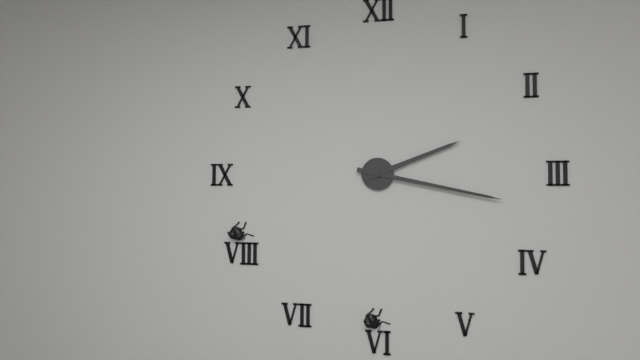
2:17
